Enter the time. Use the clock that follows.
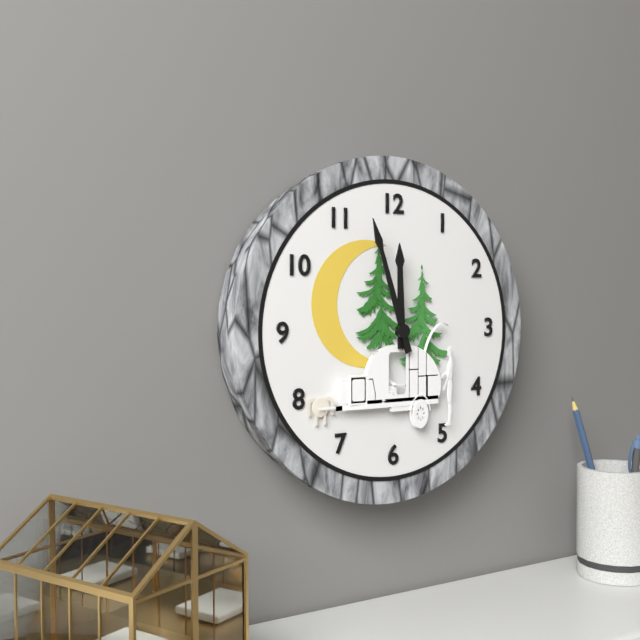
11:57
